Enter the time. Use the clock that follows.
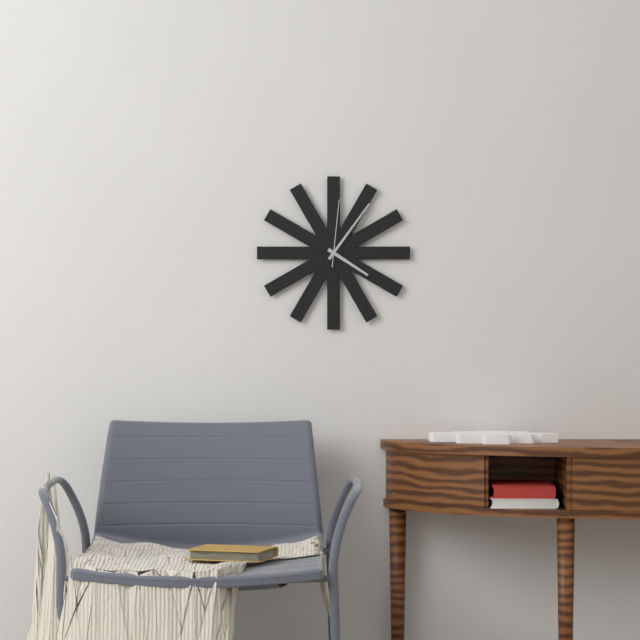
4:06:01
